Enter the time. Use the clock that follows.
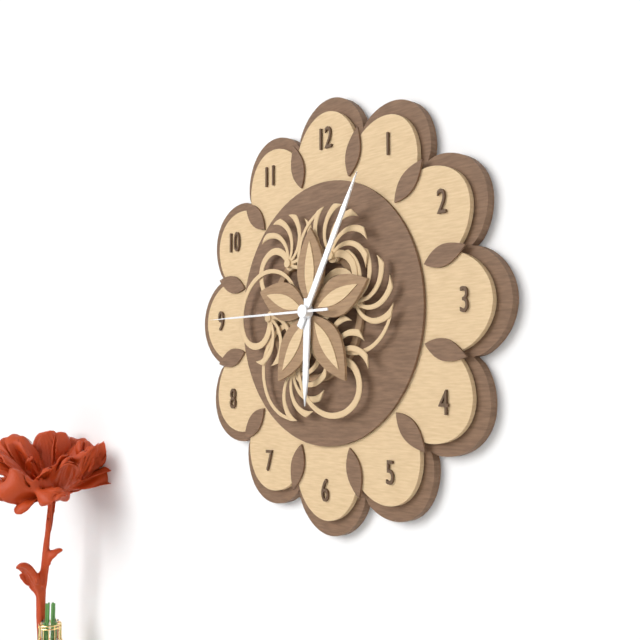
6:05:45
